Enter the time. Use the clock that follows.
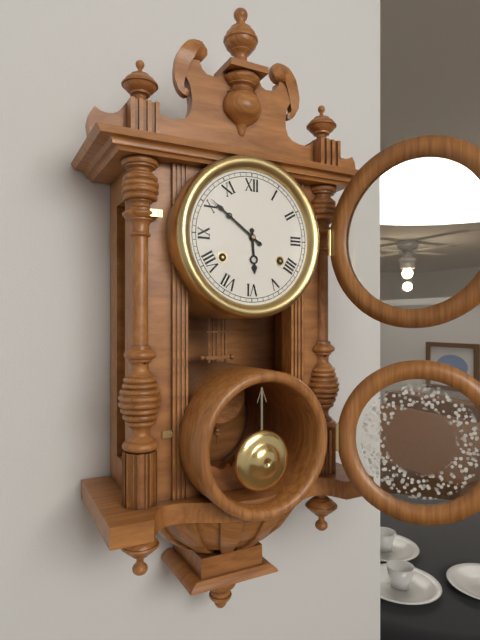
5:51
